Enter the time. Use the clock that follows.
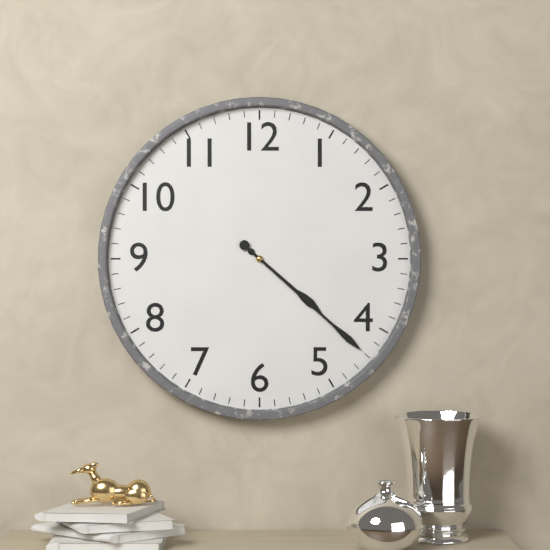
4:22
